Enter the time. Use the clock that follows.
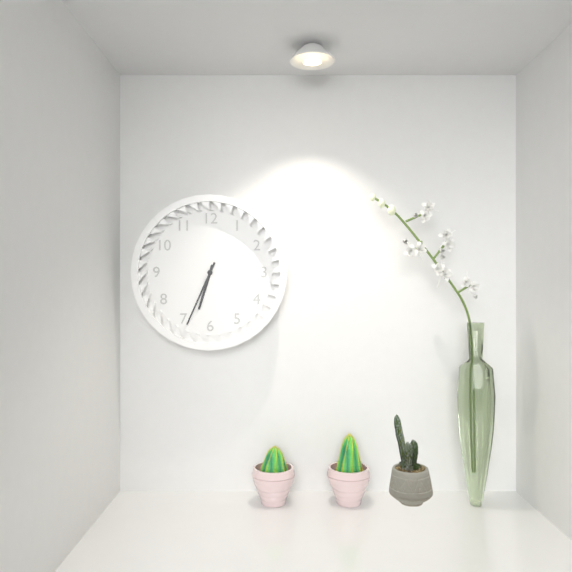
6:34
